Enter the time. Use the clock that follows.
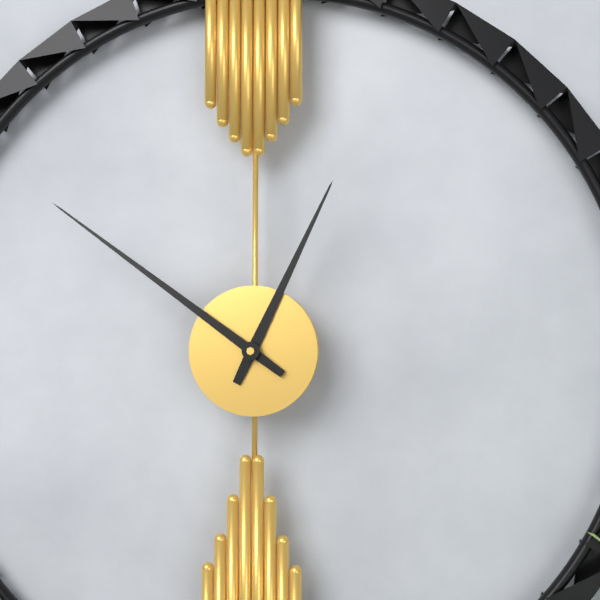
12:51
